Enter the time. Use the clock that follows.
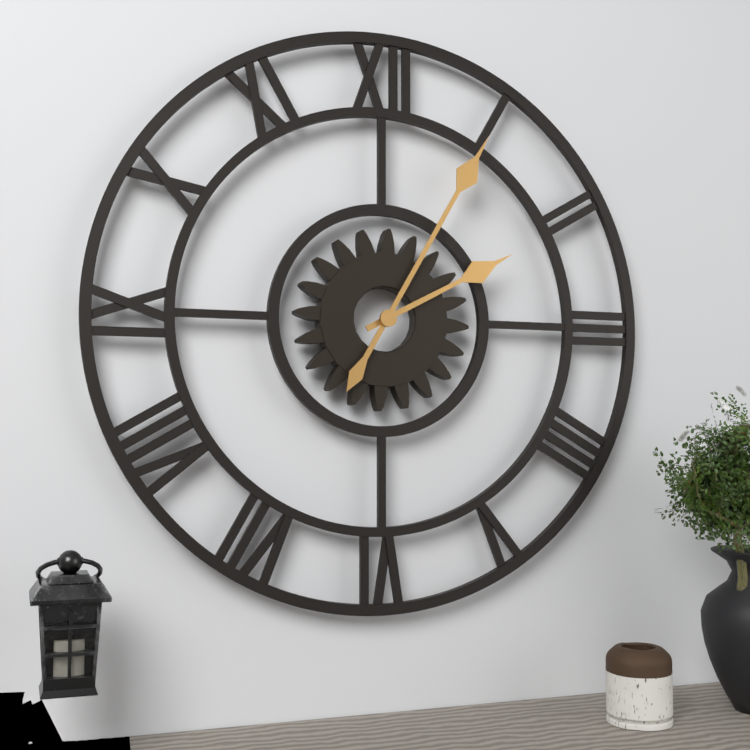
2:05
